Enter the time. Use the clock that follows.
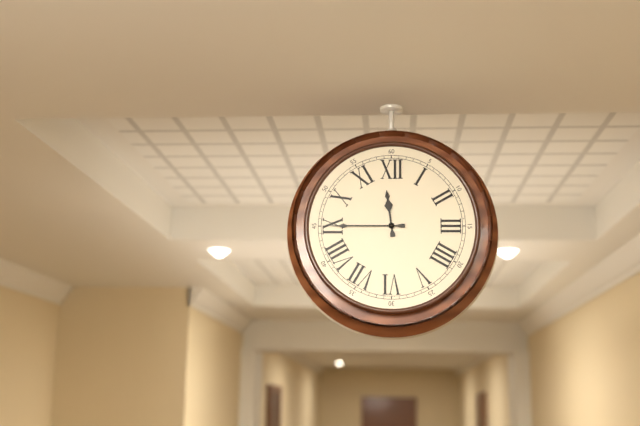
11:45
